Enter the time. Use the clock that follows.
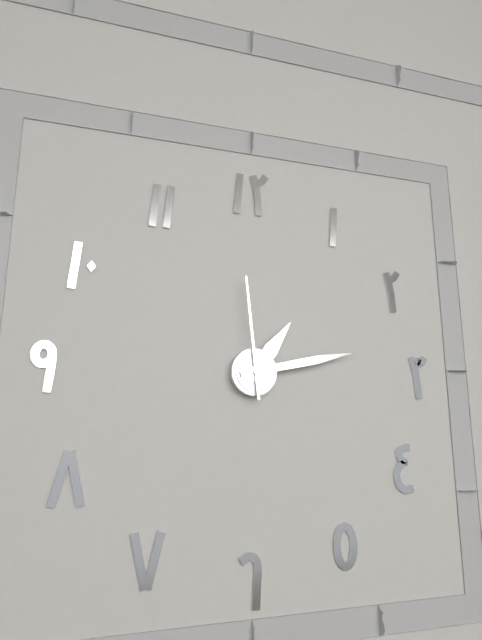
1:13:59
